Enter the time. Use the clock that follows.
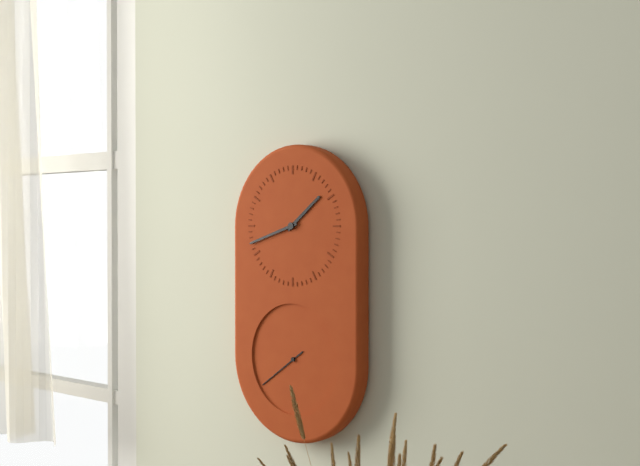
1:42:39
